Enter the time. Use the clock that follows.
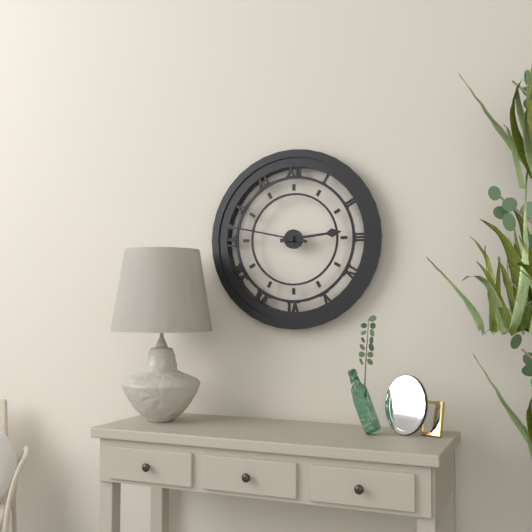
2:47
